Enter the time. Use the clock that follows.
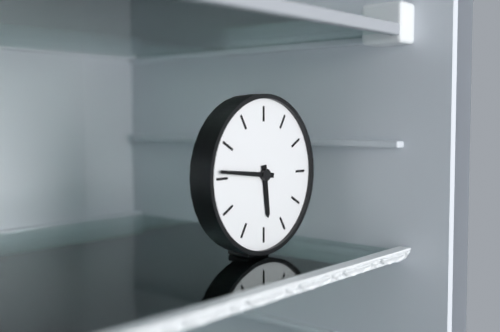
5:46
